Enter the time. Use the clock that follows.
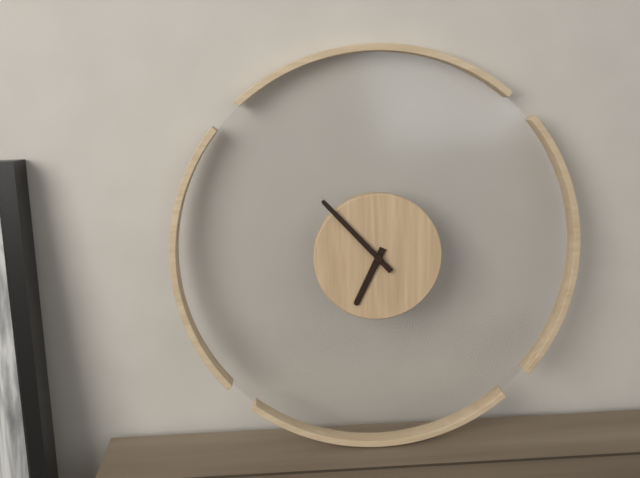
6:53
